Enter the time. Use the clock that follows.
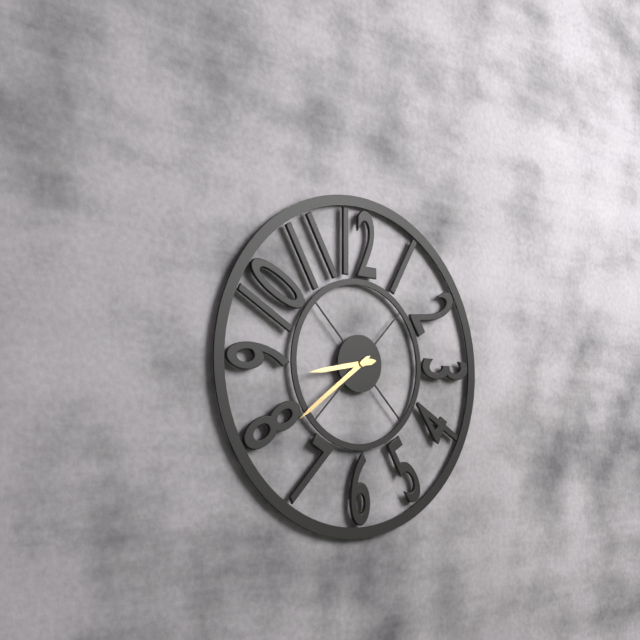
8:39
